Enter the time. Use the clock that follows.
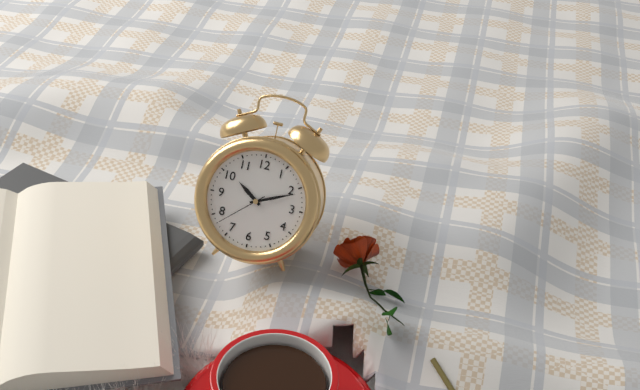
10:11:38
